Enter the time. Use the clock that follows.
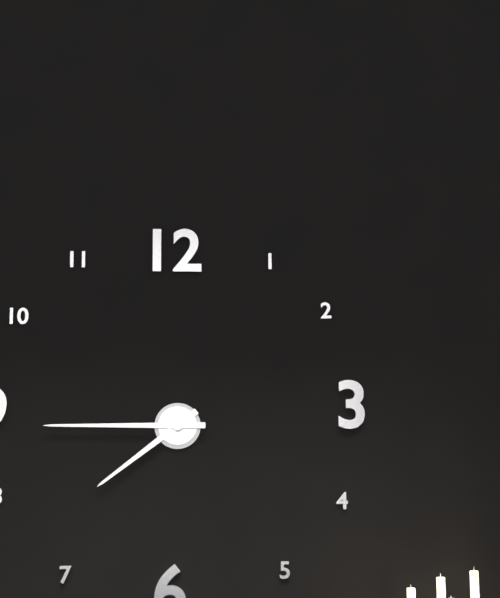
7:45
